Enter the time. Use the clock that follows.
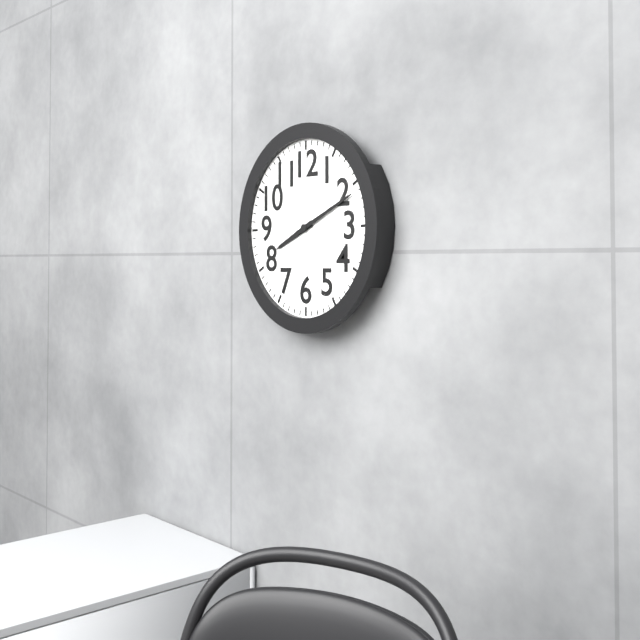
8:11
